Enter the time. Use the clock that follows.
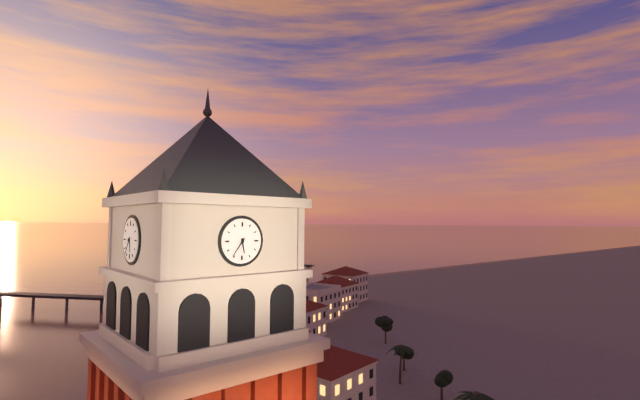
5:36
